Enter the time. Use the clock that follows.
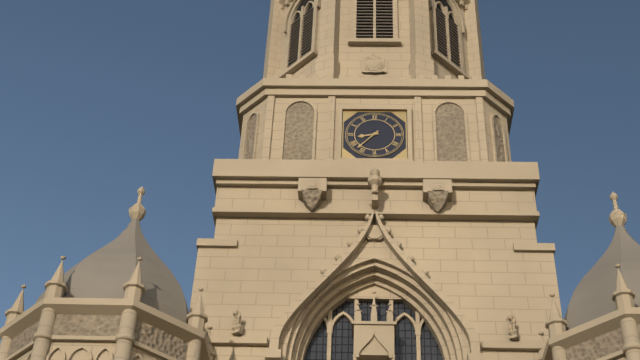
8:37
